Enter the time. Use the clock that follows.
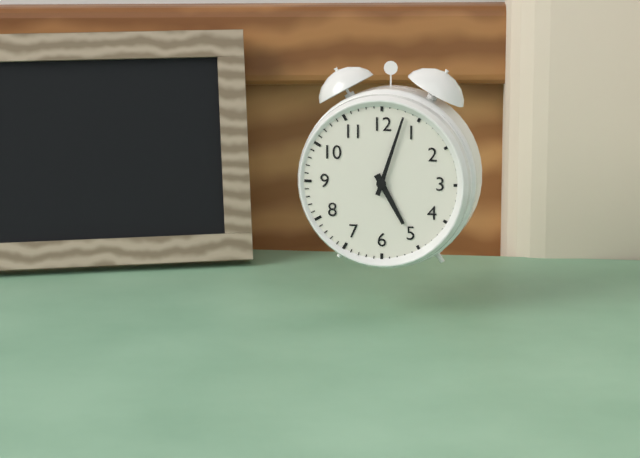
5:03
